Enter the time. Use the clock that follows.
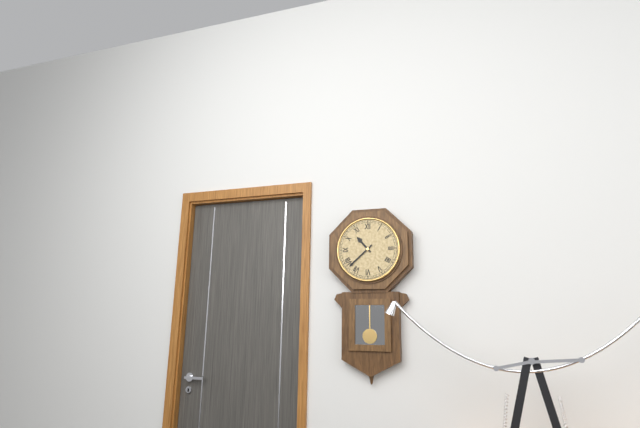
10:38
